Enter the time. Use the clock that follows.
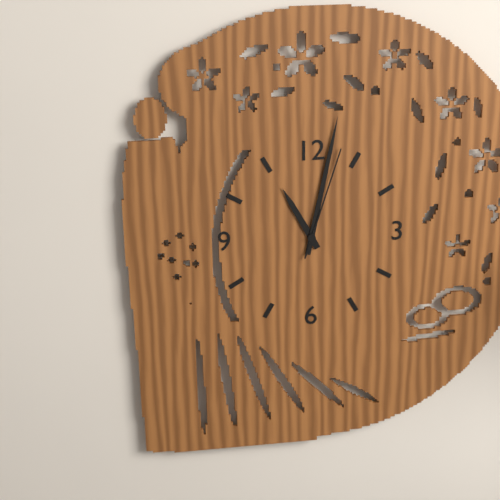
11:02:03
